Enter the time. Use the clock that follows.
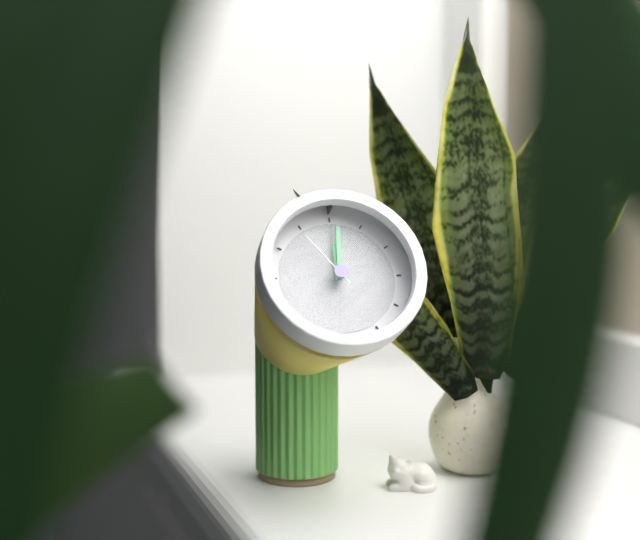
12:01:54
